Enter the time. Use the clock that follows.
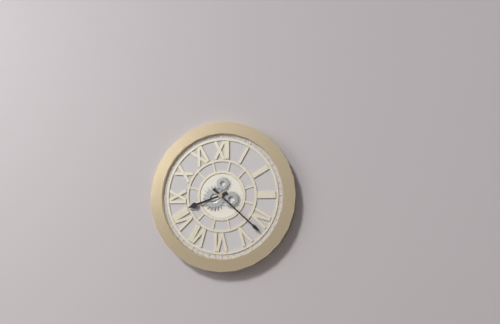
8:22
